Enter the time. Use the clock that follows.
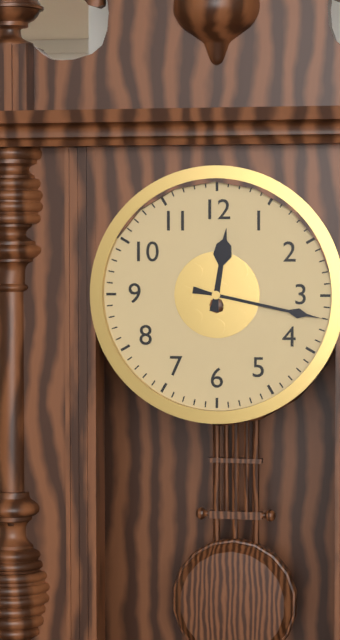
12:17
